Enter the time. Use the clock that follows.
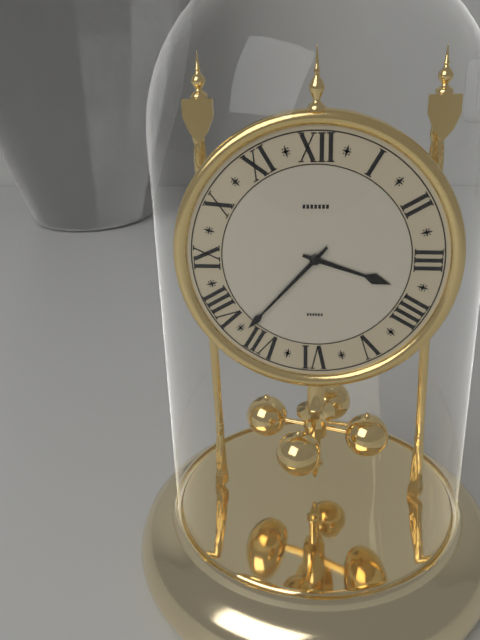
3:37
